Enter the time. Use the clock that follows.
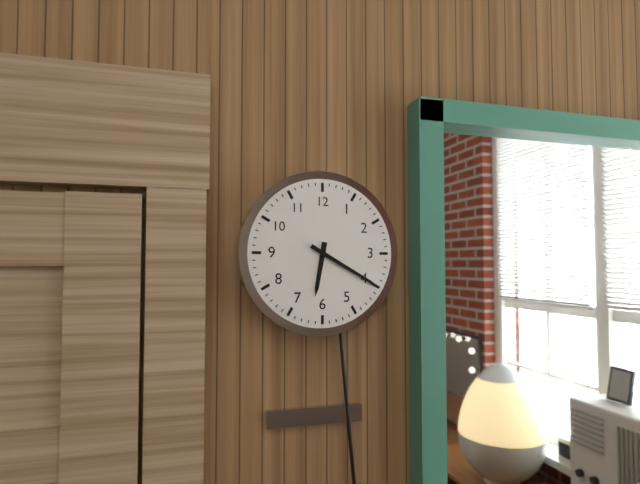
6:20
